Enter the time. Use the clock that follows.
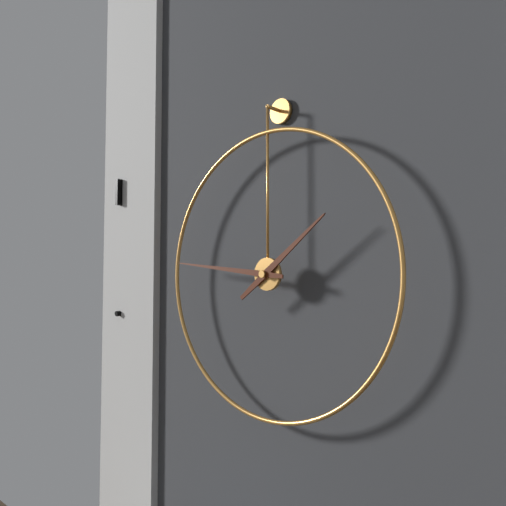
1:46
